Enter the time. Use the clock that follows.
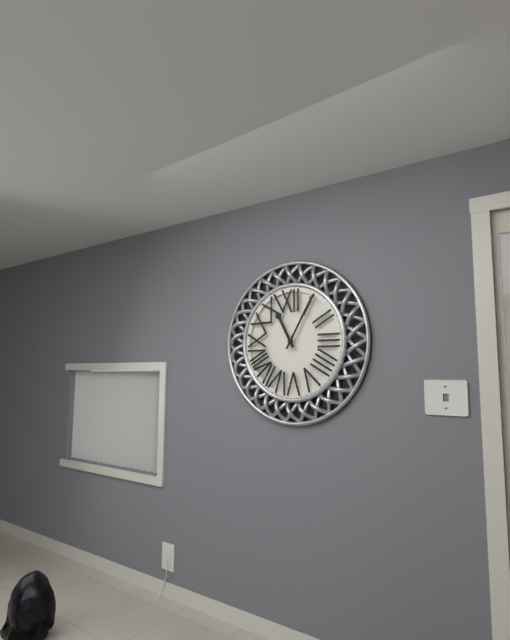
11:05
